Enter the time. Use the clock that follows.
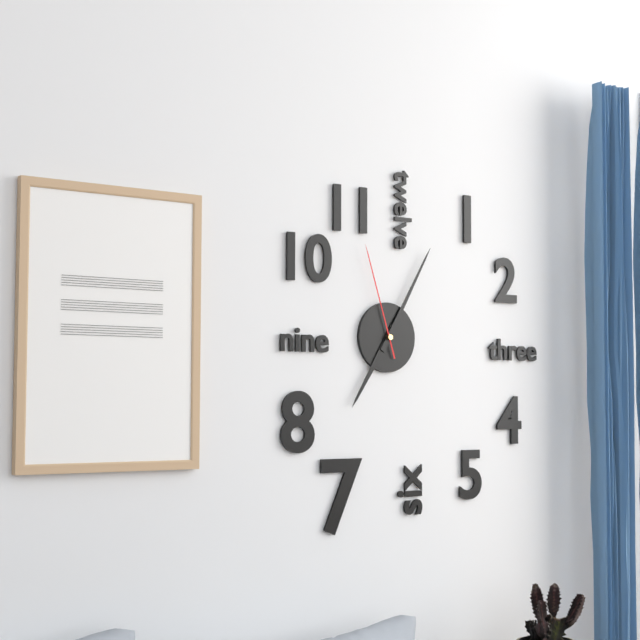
7:05:57
